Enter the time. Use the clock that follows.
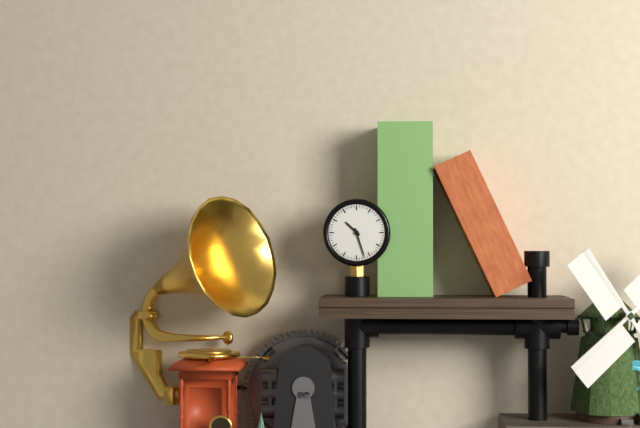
10:27
